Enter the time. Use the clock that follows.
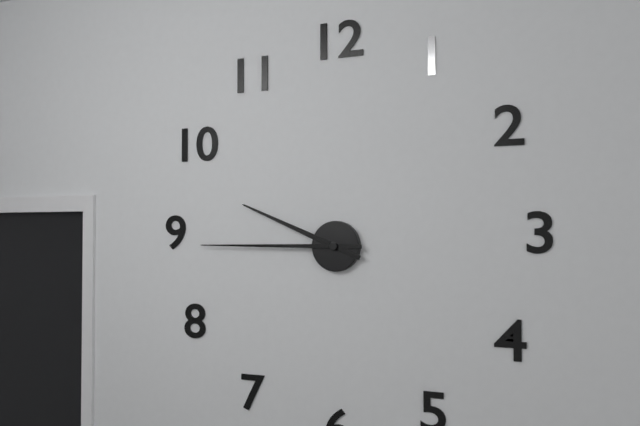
9:45
